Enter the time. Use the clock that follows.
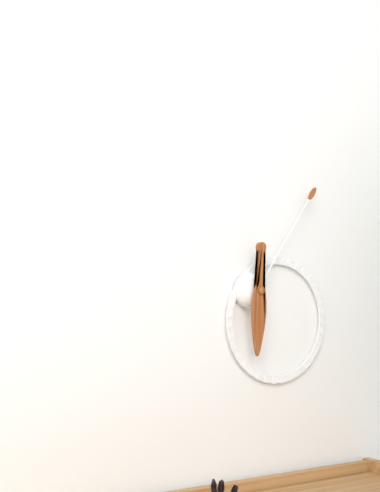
6:06
